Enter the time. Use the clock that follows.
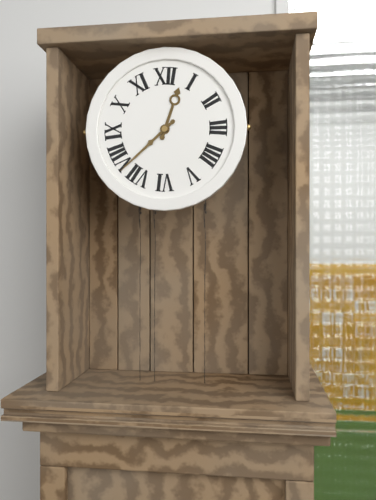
12:38
